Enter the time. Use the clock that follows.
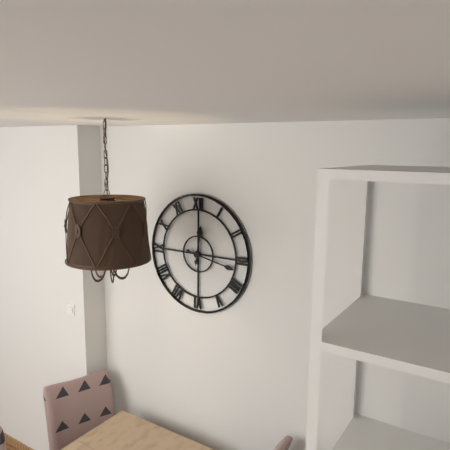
12:17
